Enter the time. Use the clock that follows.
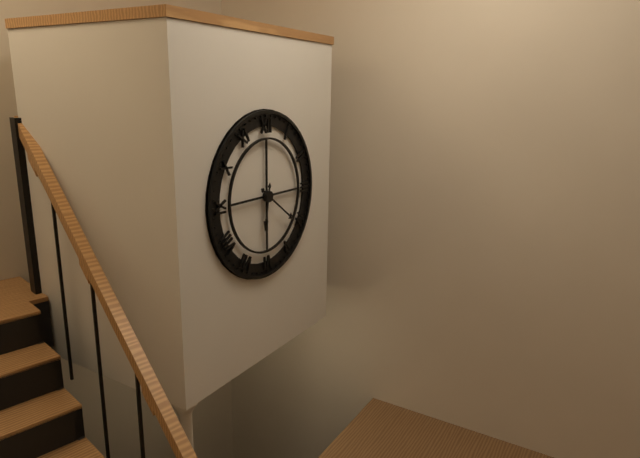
6:21
